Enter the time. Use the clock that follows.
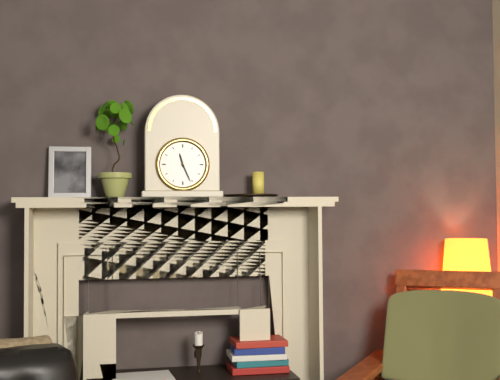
11:26
